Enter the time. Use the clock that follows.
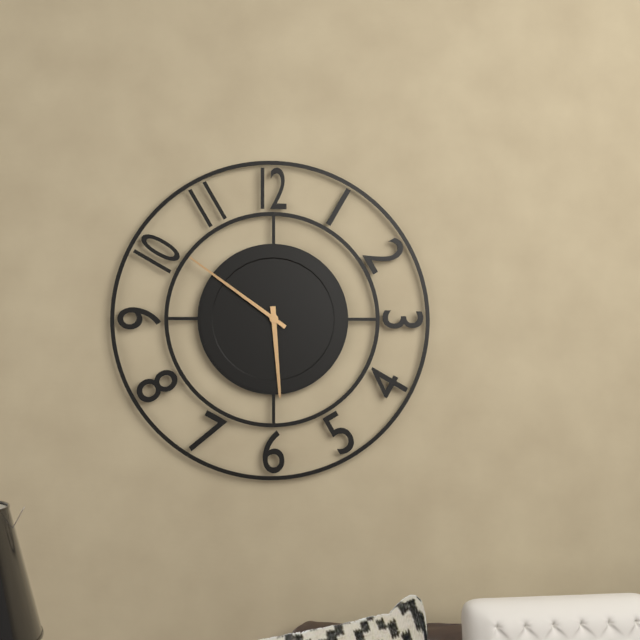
5:51
